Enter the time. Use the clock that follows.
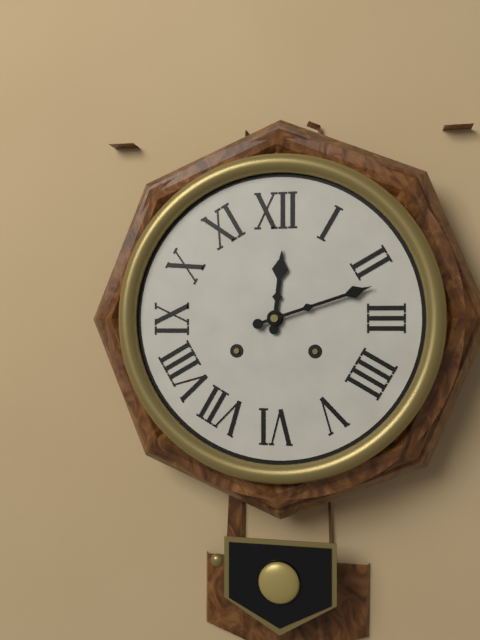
12:12
